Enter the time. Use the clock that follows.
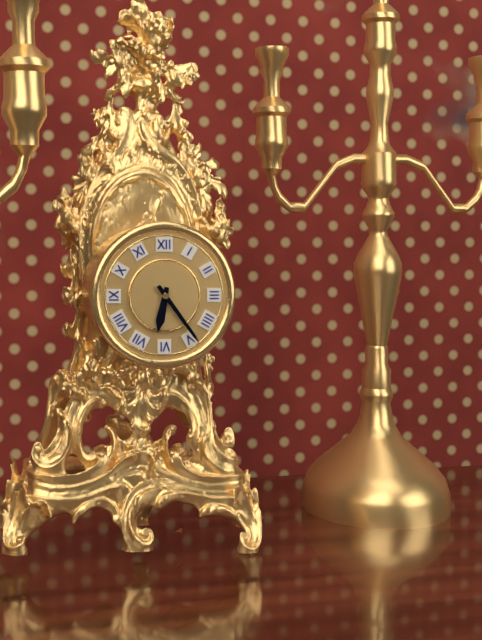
6:24
